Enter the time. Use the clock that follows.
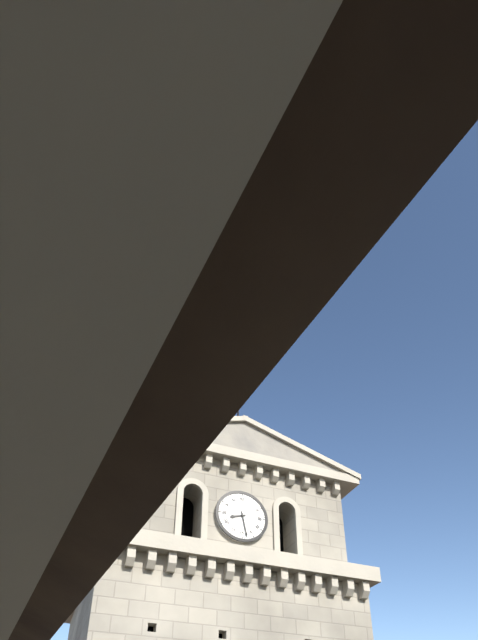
8:28
